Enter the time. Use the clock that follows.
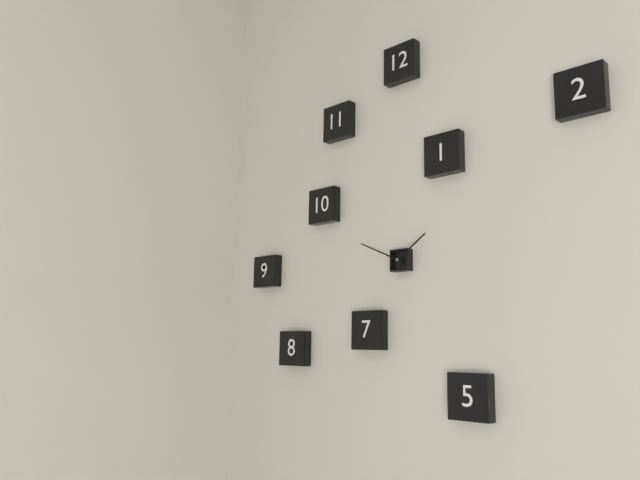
1:49
